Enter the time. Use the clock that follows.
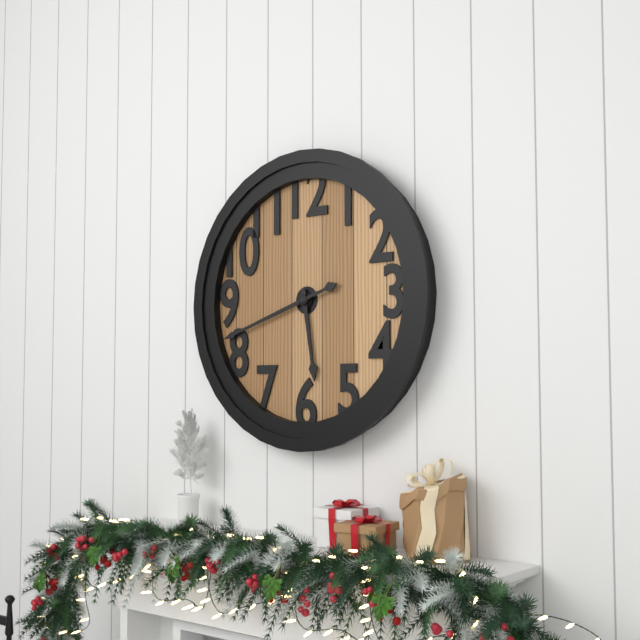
5:42
